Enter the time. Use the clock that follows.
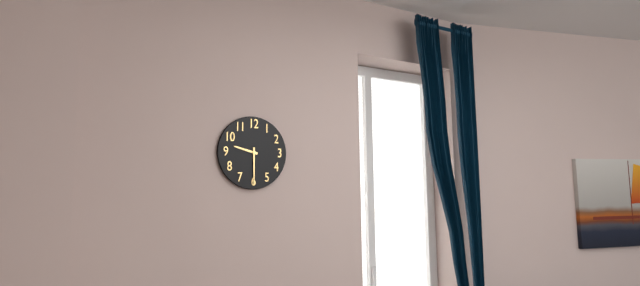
9:30
